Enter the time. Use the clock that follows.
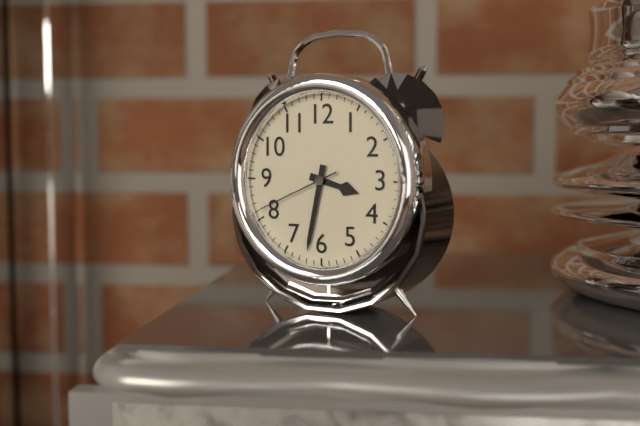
3:32:41
